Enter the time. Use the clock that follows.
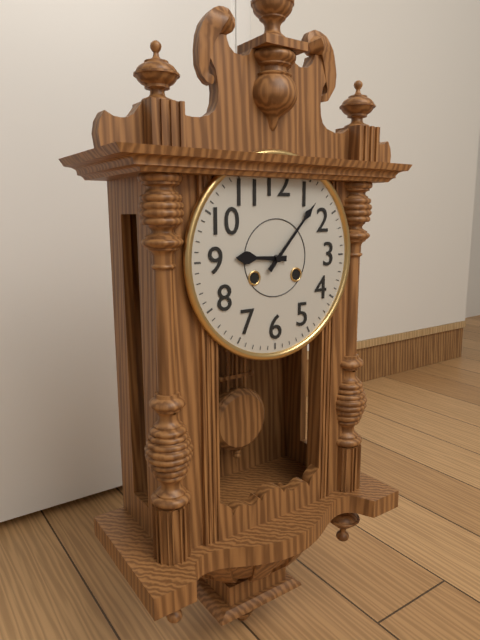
9:07
